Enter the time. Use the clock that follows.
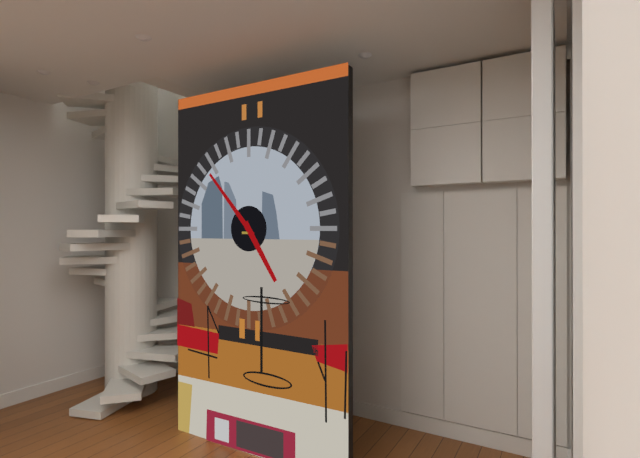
4:53
